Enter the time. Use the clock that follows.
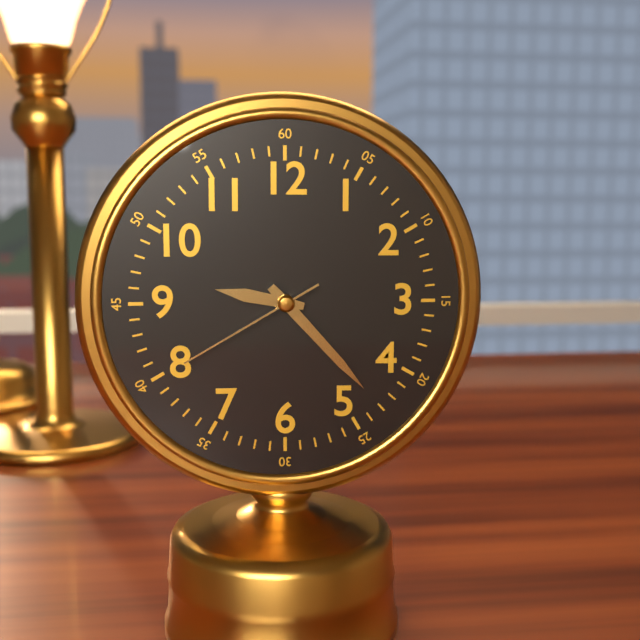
9:23:40
